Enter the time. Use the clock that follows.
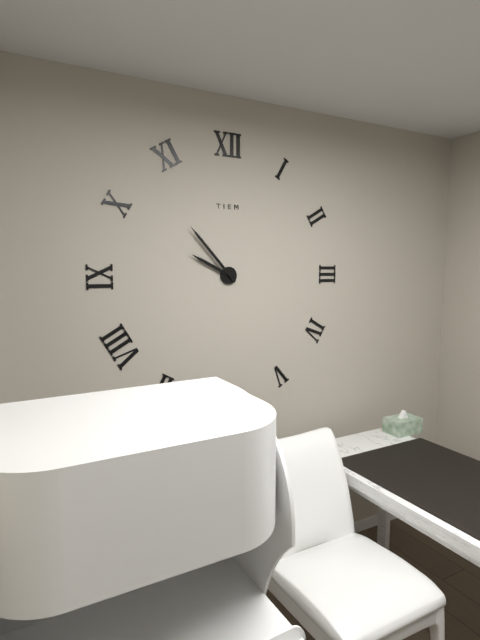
9:53
